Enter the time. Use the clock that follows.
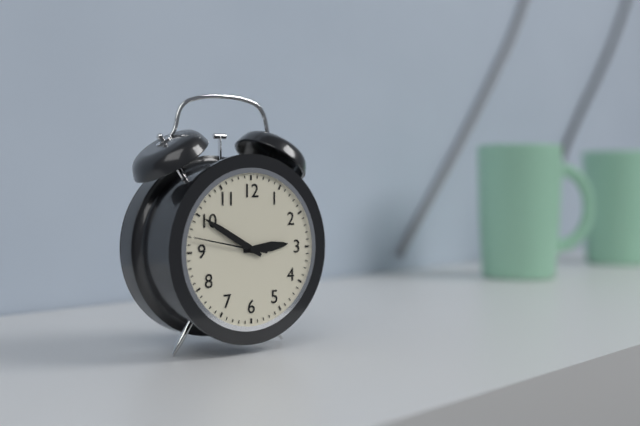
2:50:47
